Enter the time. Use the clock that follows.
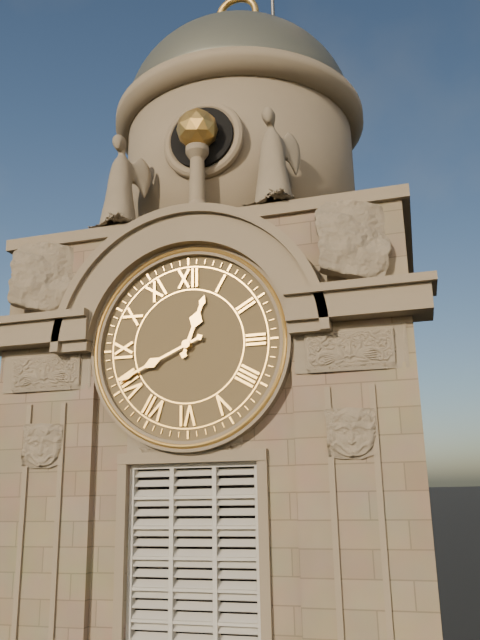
12:41
